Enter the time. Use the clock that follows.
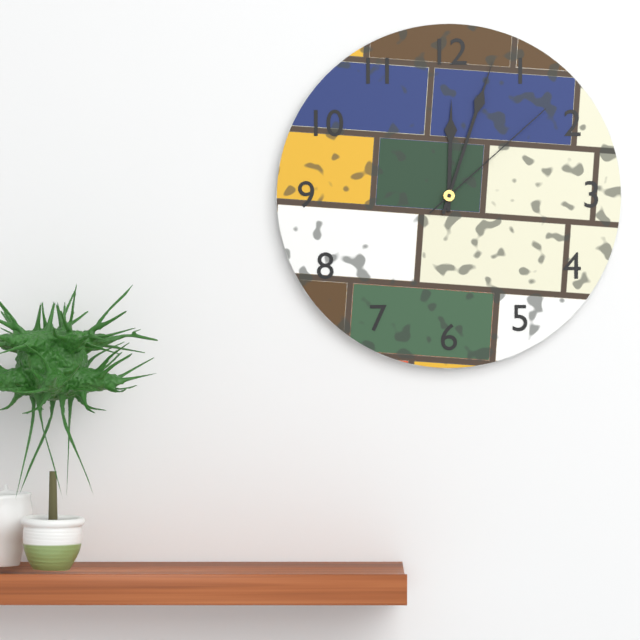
12:03:08
